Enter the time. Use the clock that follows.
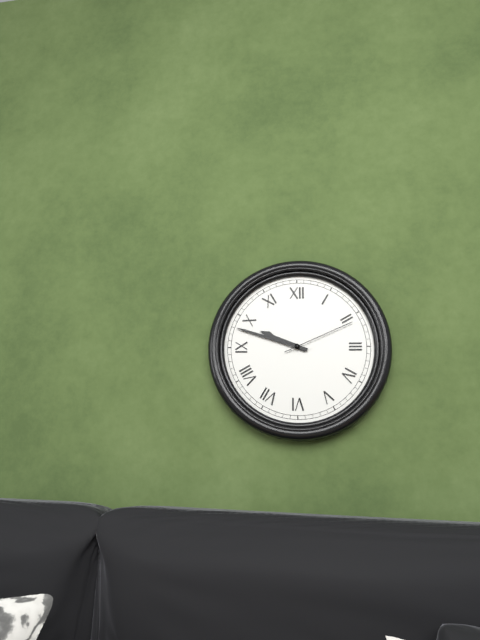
9:48:11
